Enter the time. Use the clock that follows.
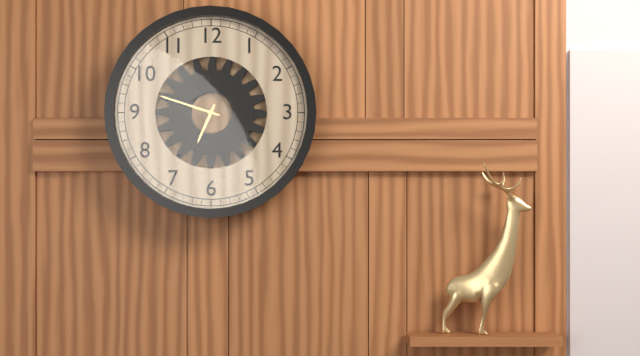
6:48
